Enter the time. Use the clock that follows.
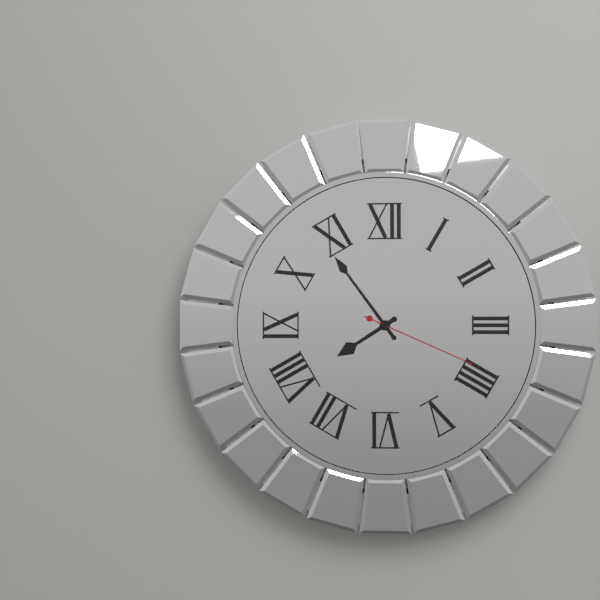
7:54:19
